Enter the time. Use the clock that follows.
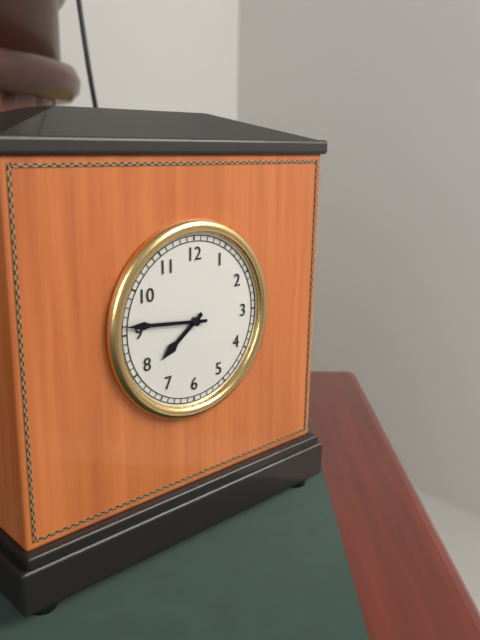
7:46
